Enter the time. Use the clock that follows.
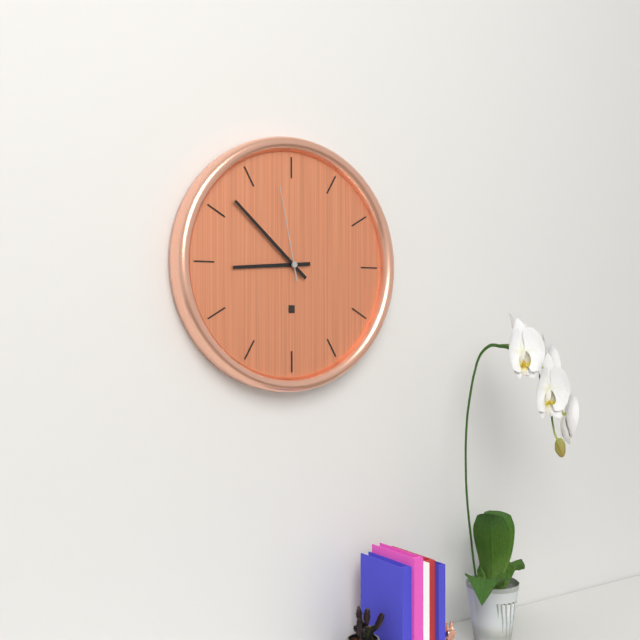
8:52:58
